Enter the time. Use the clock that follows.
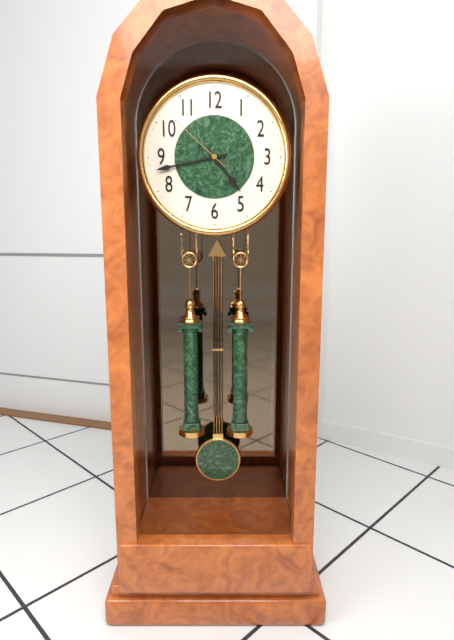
4:43:52
